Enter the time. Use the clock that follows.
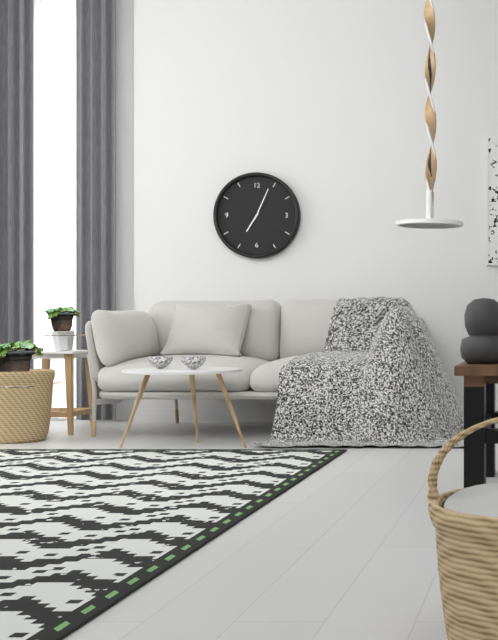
7:04
